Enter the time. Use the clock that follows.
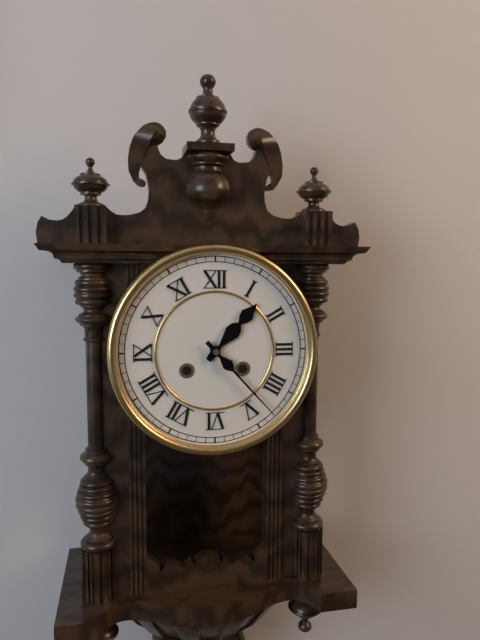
1:23
